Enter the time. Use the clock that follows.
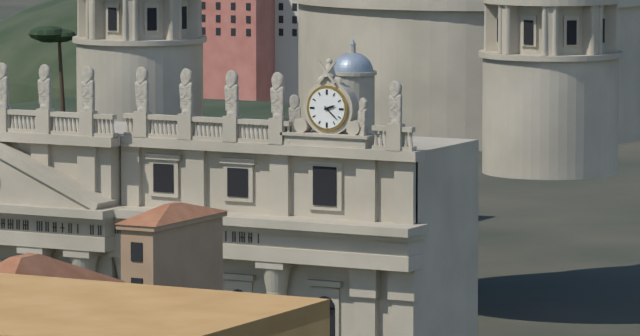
2:22
